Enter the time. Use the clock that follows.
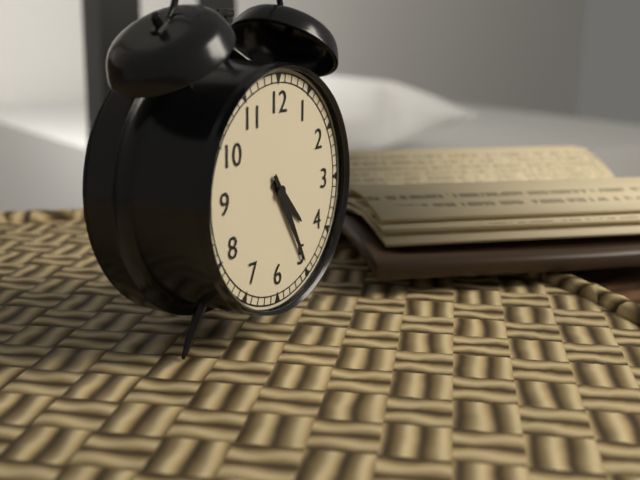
4:25
